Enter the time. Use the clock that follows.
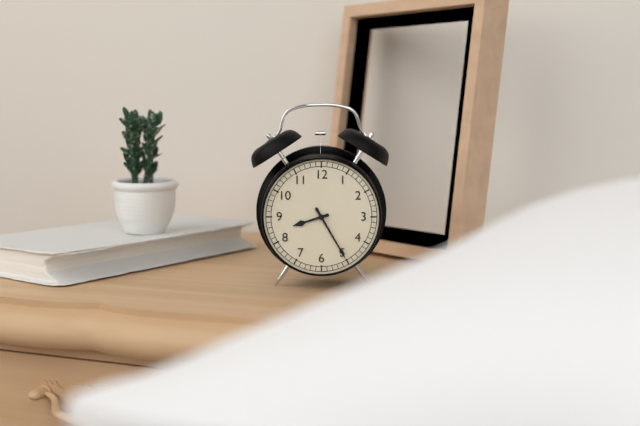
8:25
